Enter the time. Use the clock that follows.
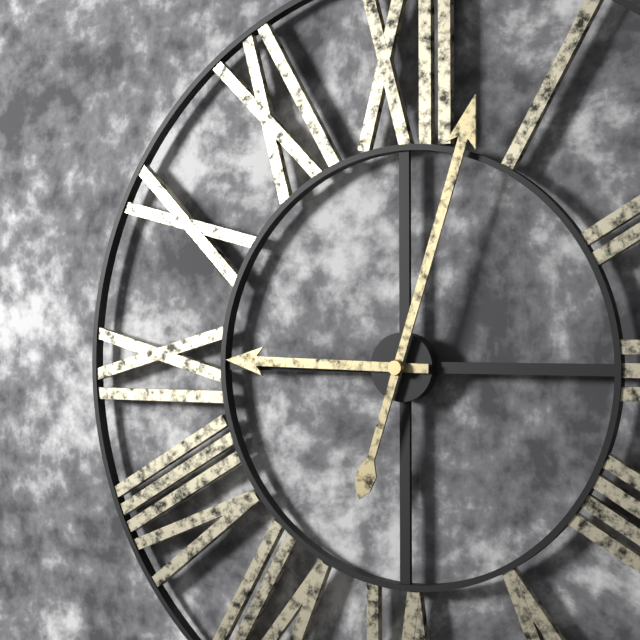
9:03
